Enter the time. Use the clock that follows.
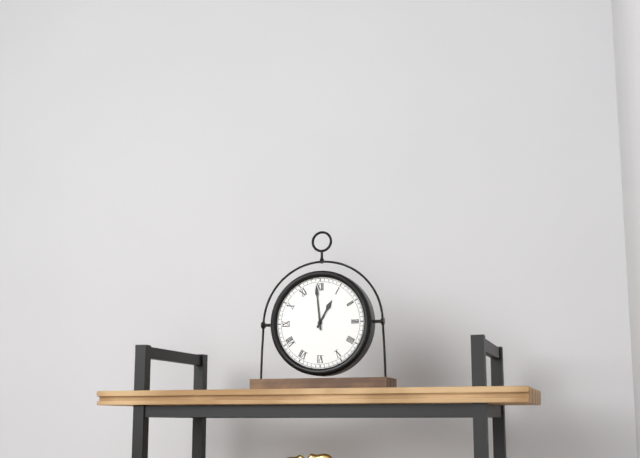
12:59
